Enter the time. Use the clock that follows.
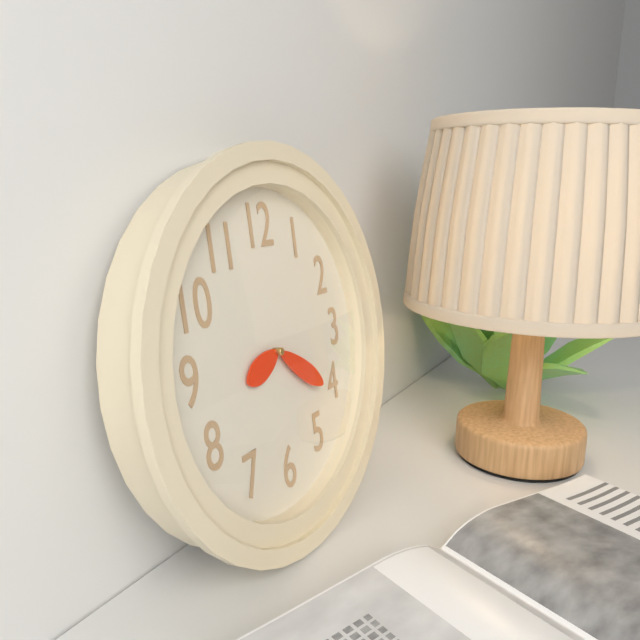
8:21
